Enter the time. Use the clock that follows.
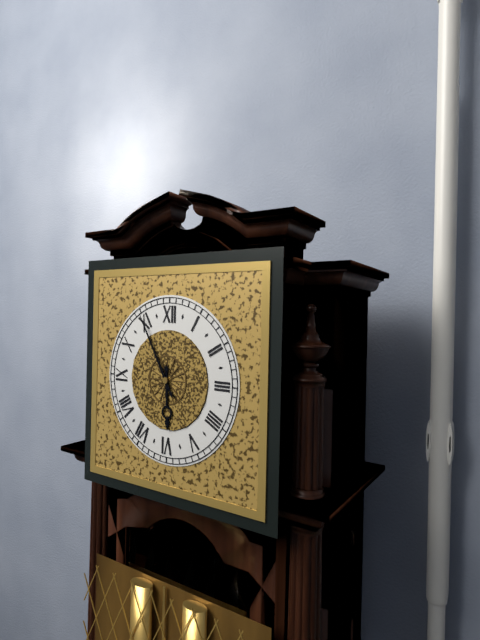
5:55
